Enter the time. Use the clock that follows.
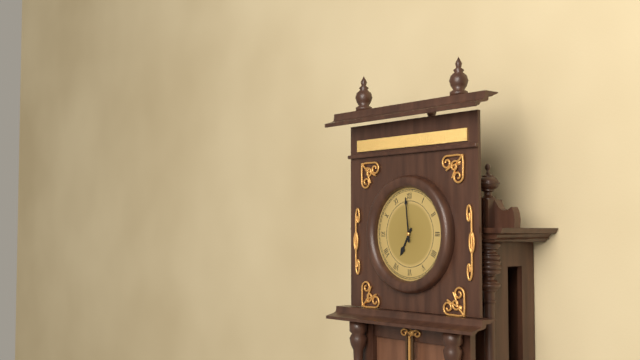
6:59
